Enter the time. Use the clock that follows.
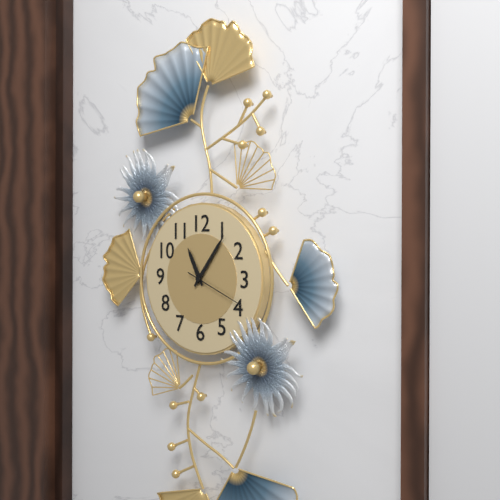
11:06:19
